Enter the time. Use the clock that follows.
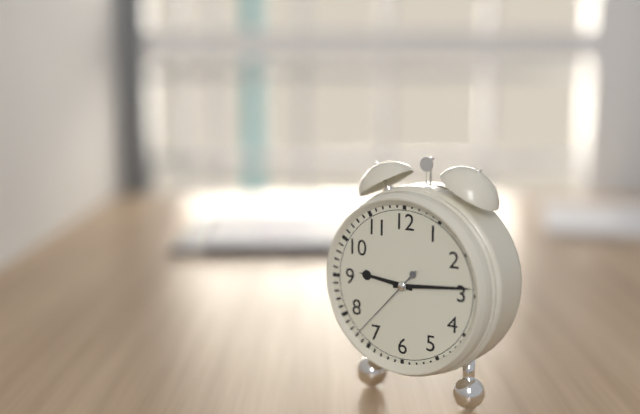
9:14:37
